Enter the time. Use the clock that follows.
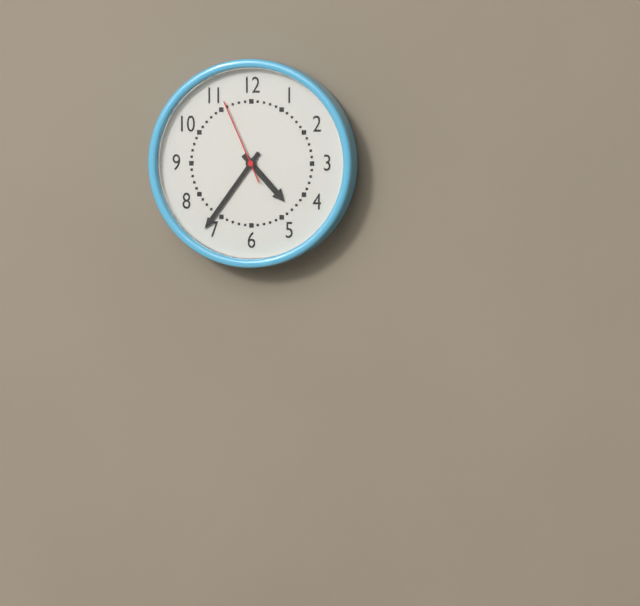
4:36:56
